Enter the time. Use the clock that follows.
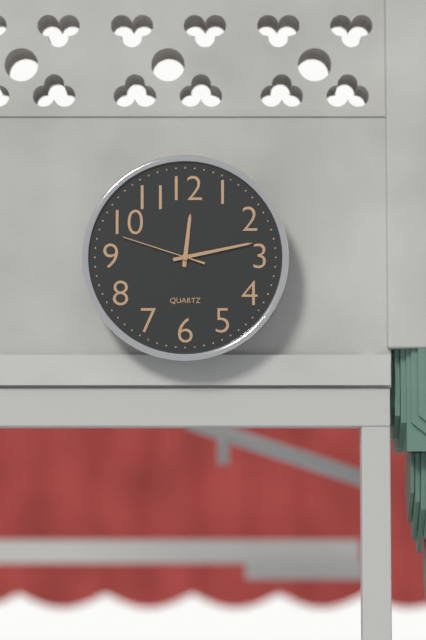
12:13:48
